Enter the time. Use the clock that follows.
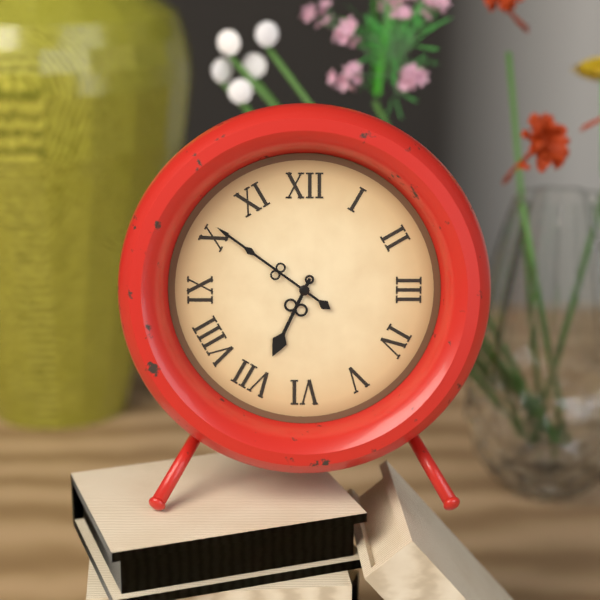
6:51
